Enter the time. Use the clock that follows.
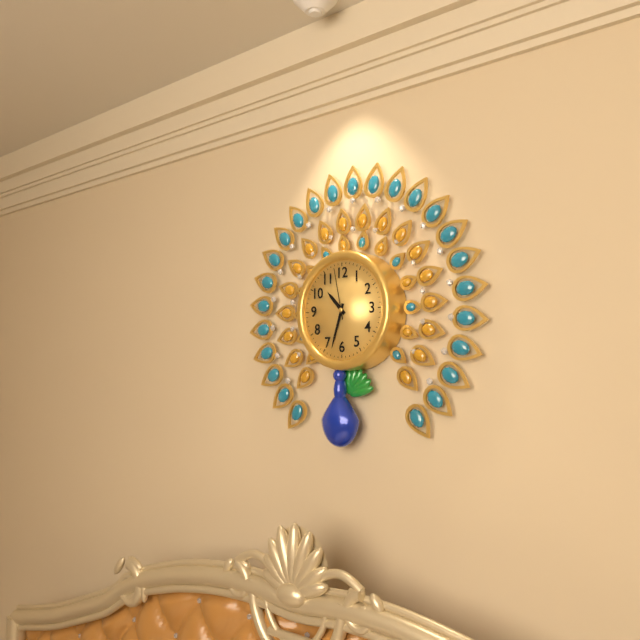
10:33:58
